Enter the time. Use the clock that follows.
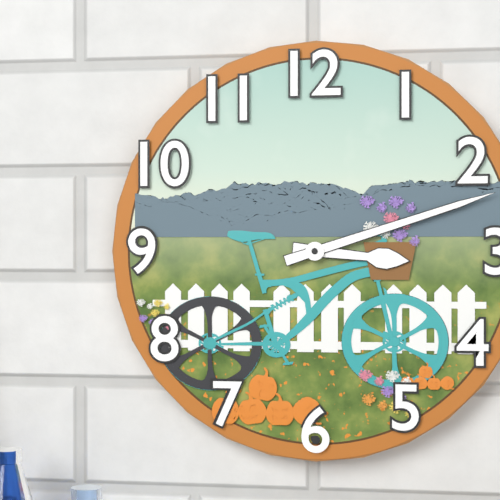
3:12
